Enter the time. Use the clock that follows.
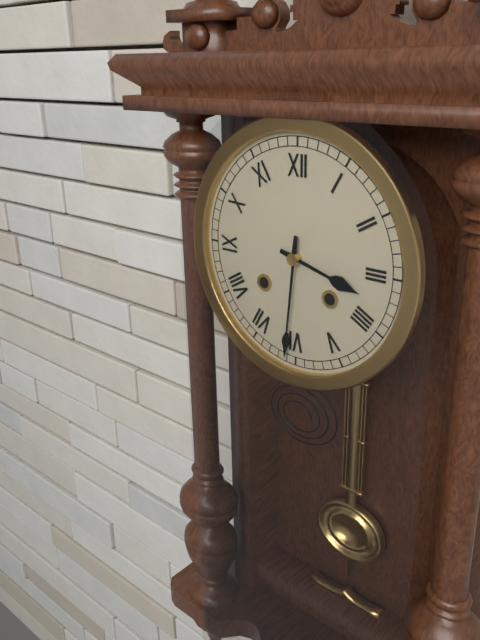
3:31
